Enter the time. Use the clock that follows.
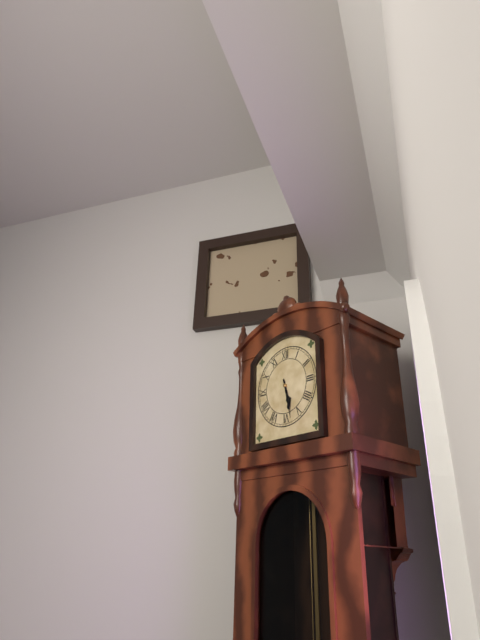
5:28
